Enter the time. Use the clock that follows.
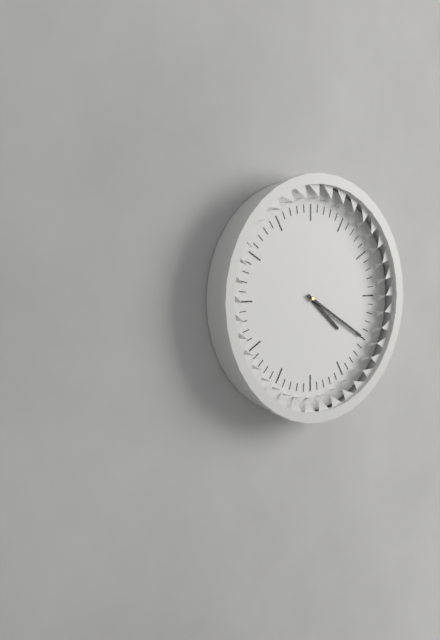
4:20
